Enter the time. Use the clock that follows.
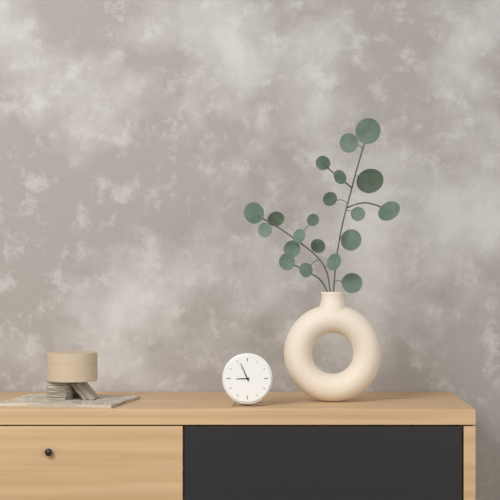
8:56
